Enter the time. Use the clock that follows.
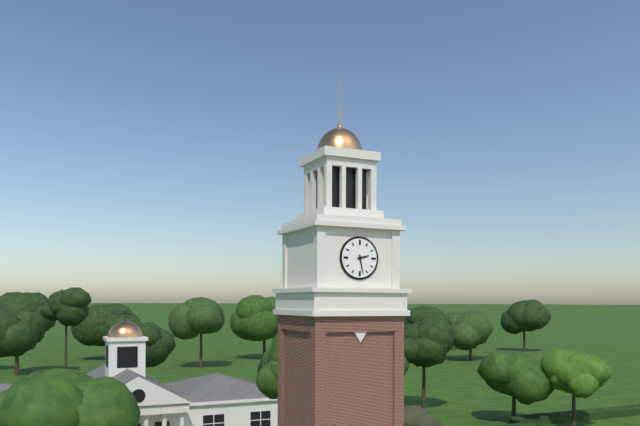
2:28
